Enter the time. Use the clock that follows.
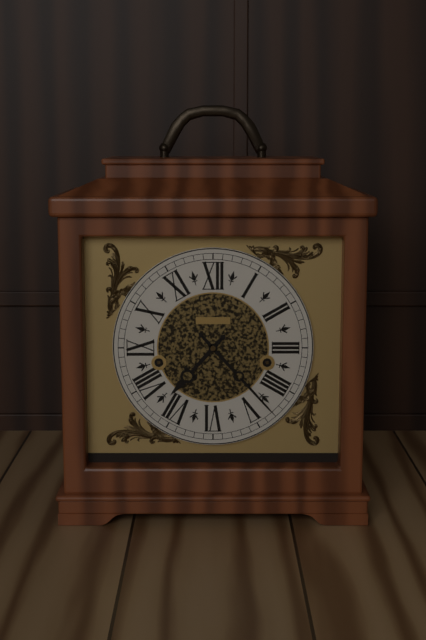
7:23
